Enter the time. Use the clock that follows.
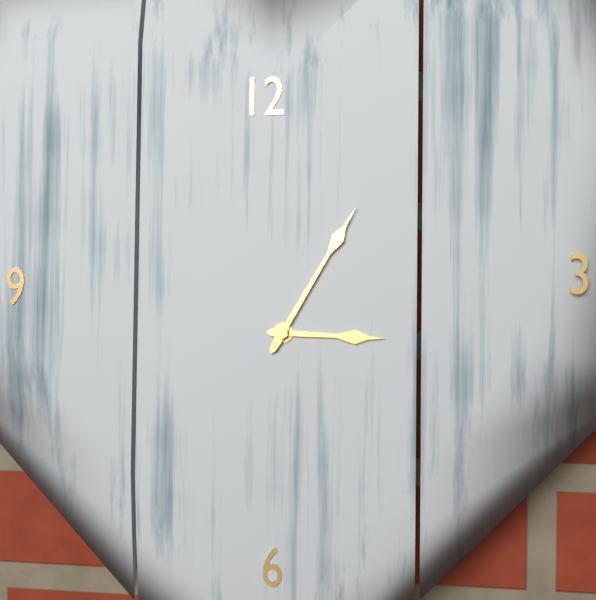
3:05
